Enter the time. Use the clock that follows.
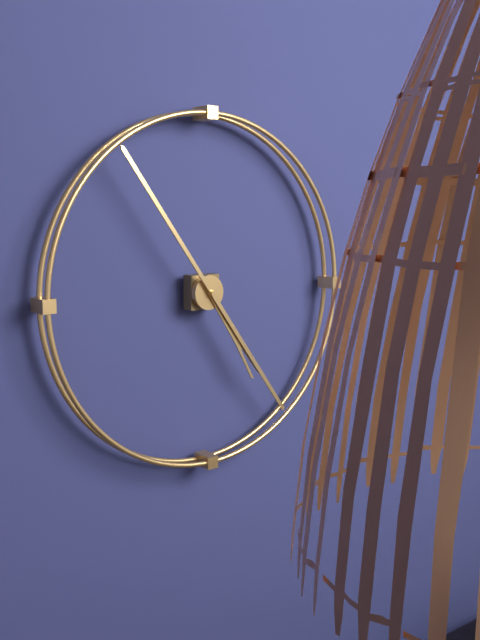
4:54
